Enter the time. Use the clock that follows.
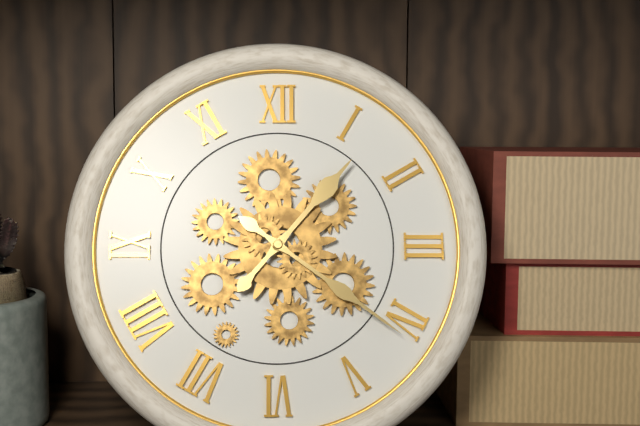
1:21
